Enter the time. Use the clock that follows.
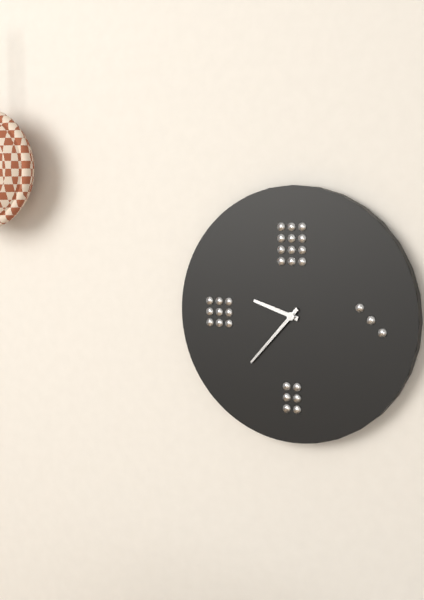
9:37
